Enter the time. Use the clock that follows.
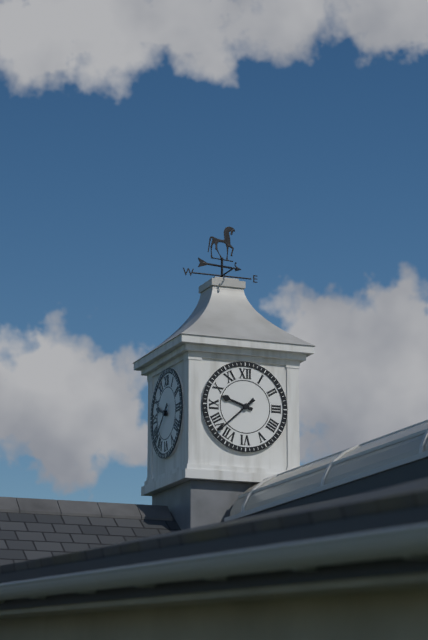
9:38
